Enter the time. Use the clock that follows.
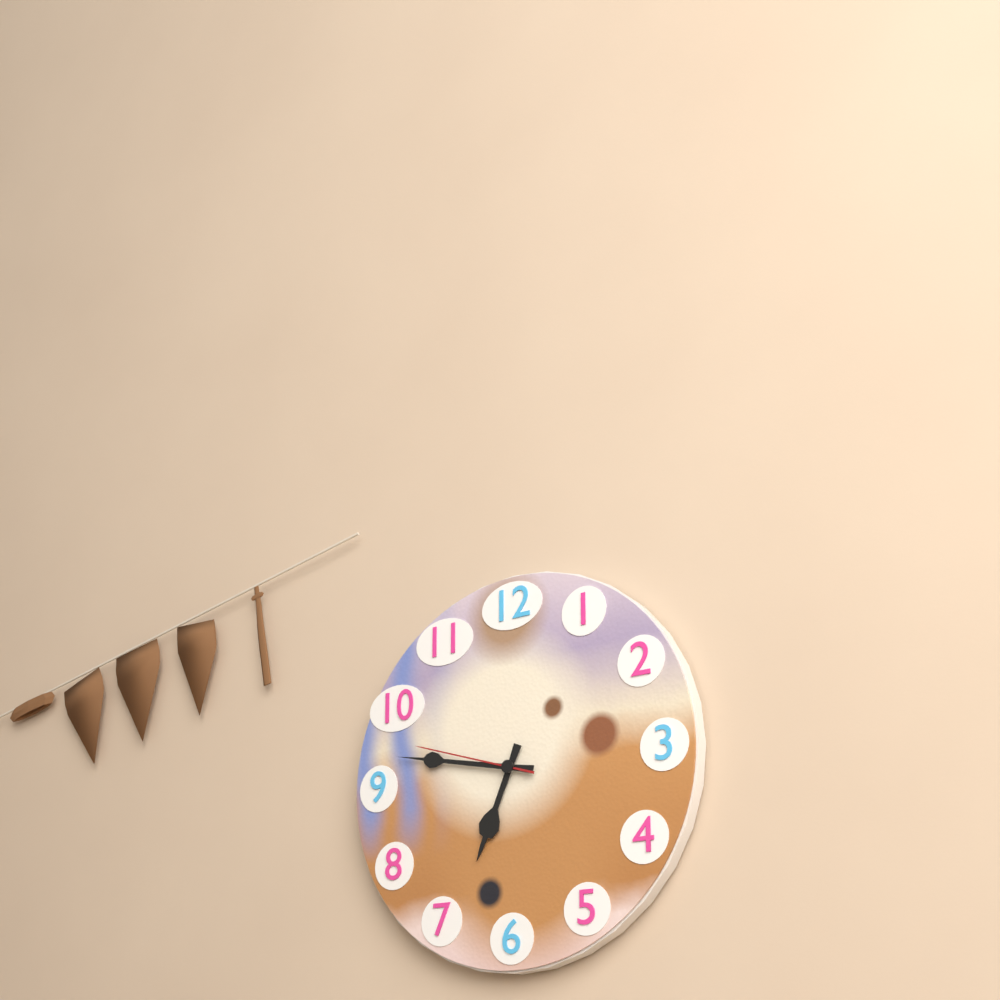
6:47:48
